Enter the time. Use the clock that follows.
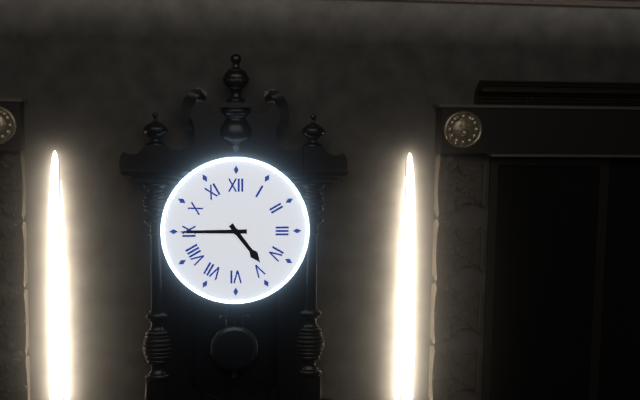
4:45
